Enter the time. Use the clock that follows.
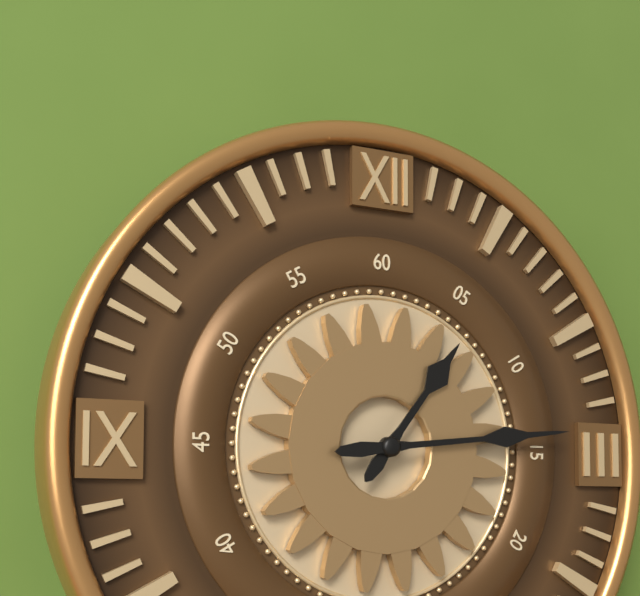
1:14
